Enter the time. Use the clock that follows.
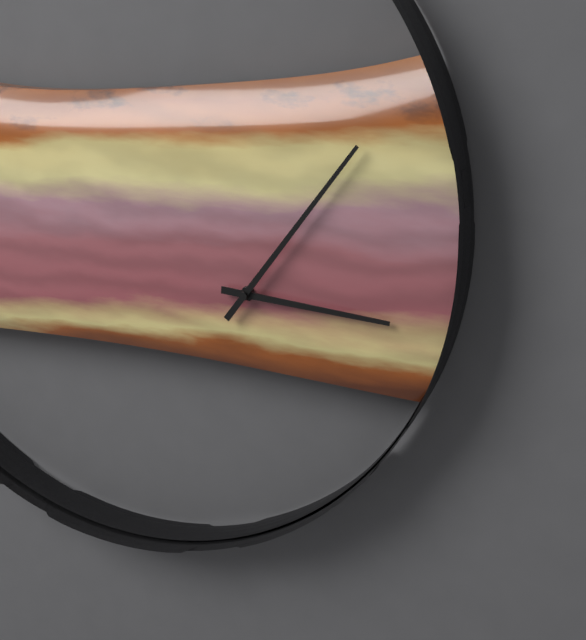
3:06
